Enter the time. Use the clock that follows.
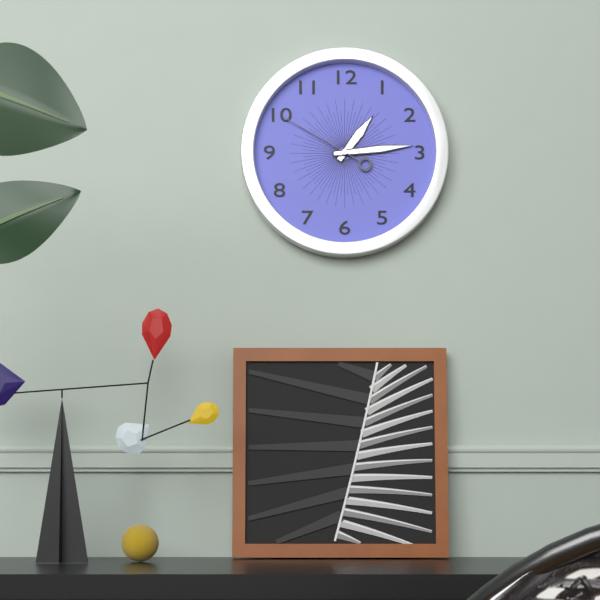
1:14:50
